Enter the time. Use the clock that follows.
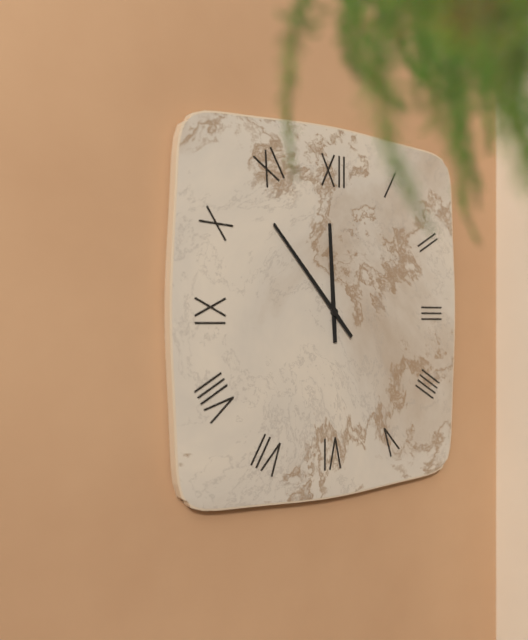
11:53
